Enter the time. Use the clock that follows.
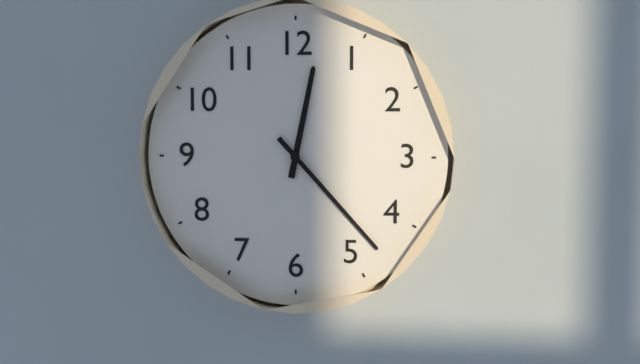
12:23
